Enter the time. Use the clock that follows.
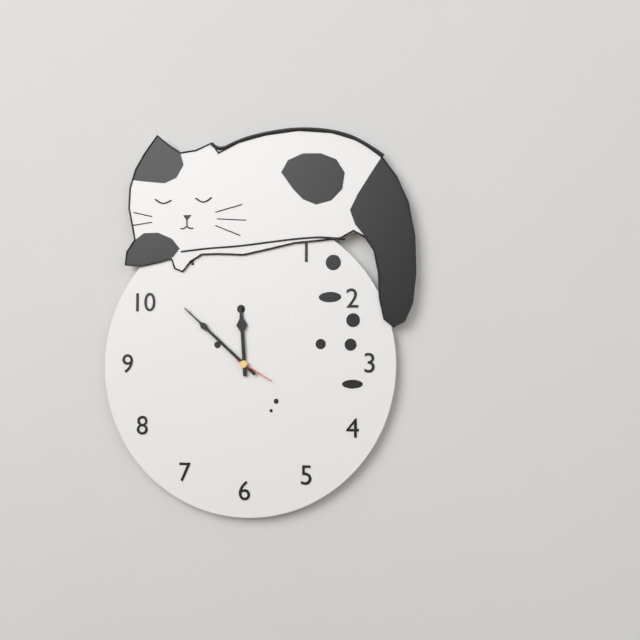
11:52
